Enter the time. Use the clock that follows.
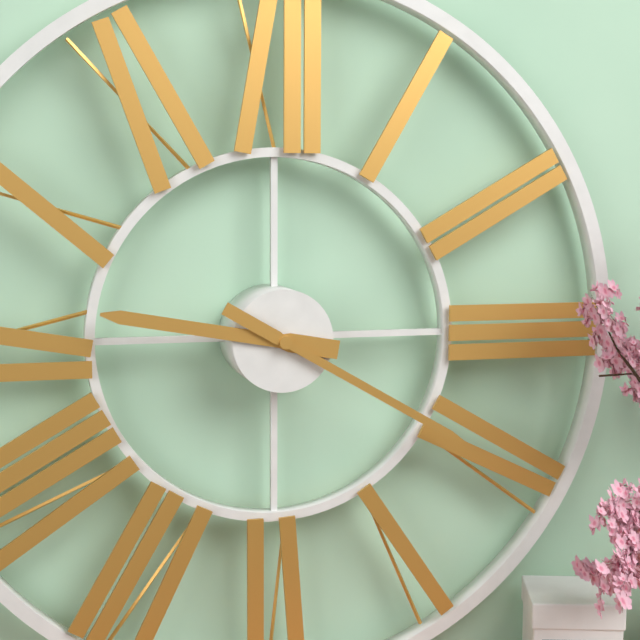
9:20
